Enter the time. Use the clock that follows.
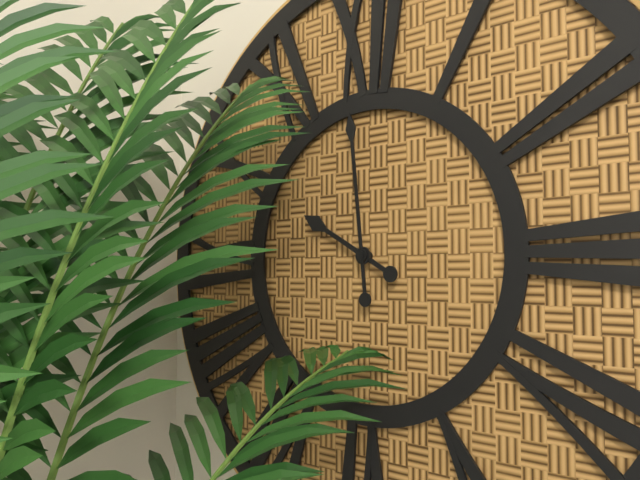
9:59
